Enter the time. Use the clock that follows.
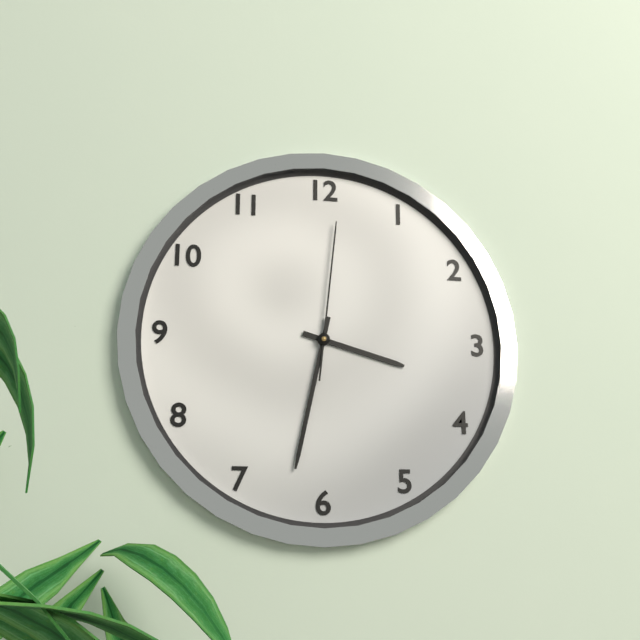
3:32:01
